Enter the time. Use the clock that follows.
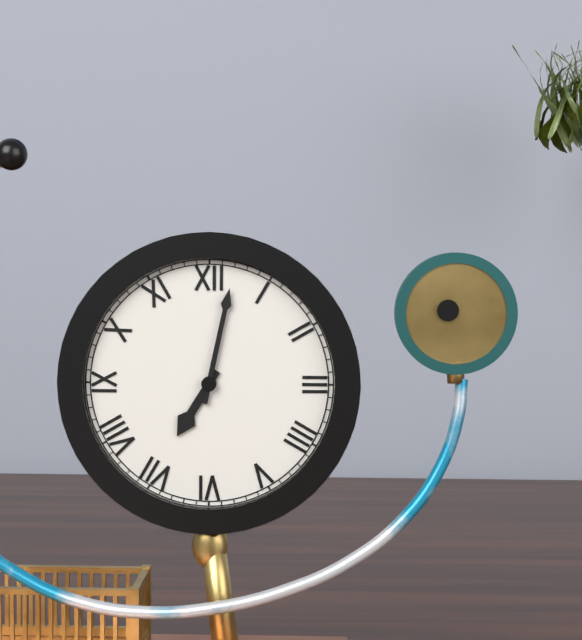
7:02
